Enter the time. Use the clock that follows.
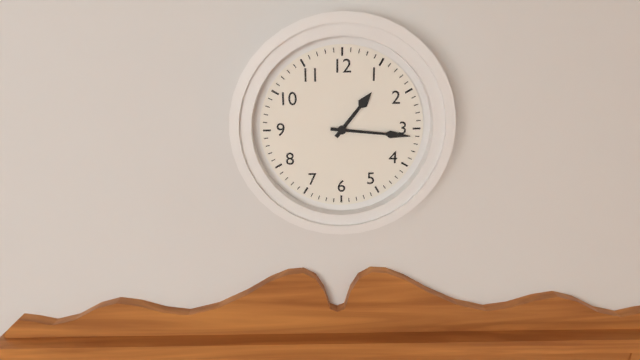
1:16
